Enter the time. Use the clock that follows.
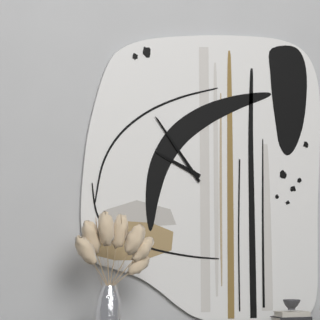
9:54
